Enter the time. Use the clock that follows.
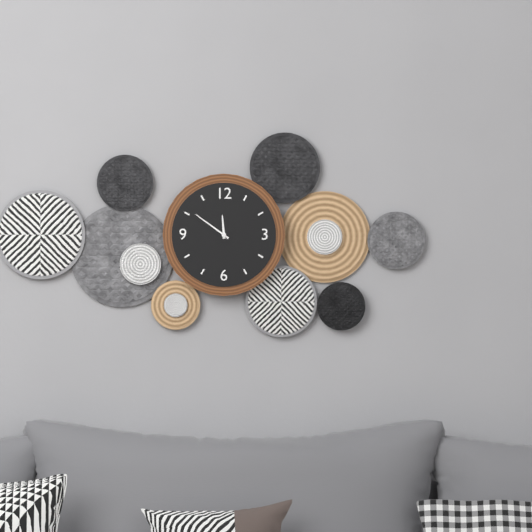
11:51
